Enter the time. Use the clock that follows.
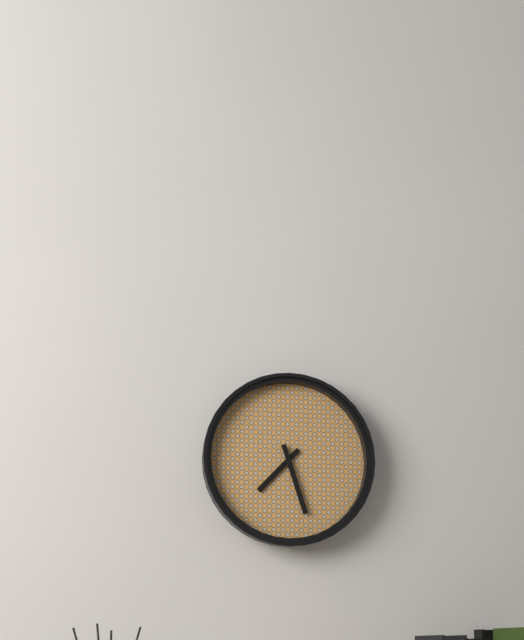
7:27
